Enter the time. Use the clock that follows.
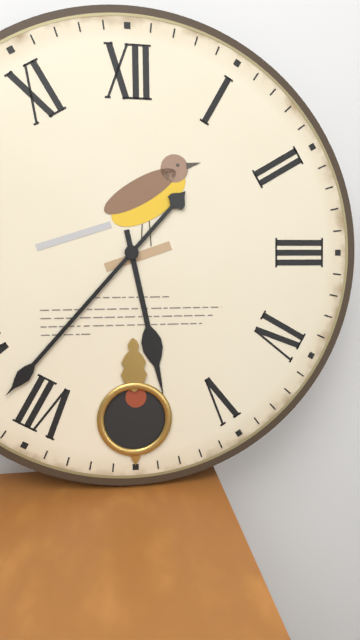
5:37
